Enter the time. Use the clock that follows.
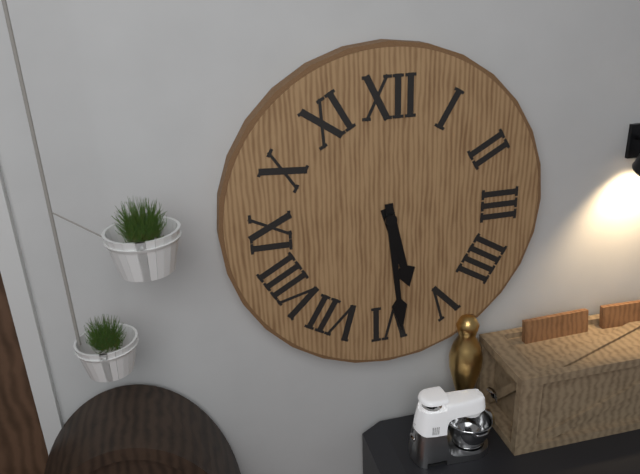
5:29
